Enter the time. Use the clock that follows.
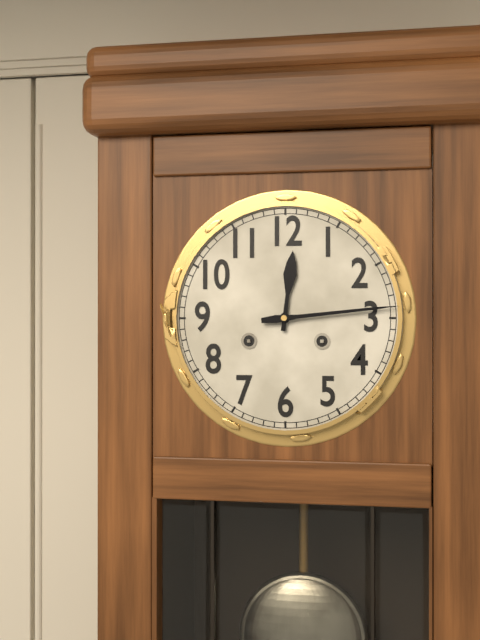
12:14
